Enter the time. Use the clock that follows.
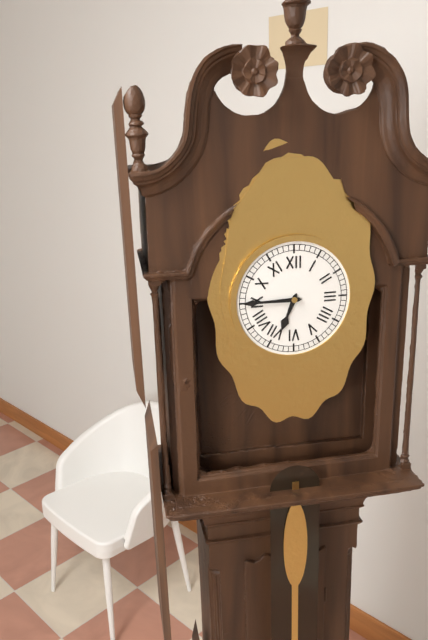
6:45
